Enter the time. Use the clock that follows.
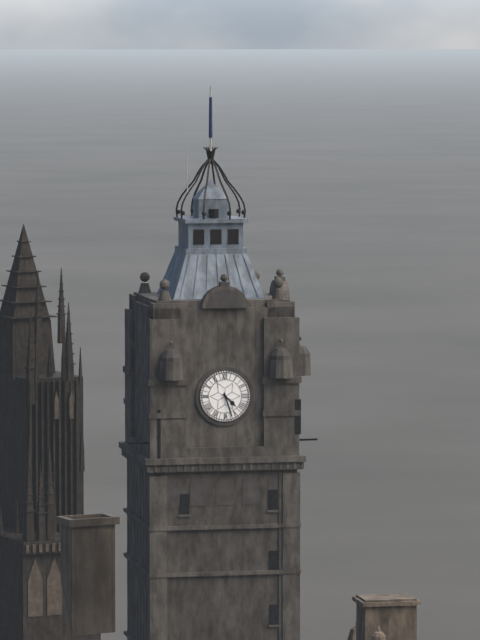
4:27
